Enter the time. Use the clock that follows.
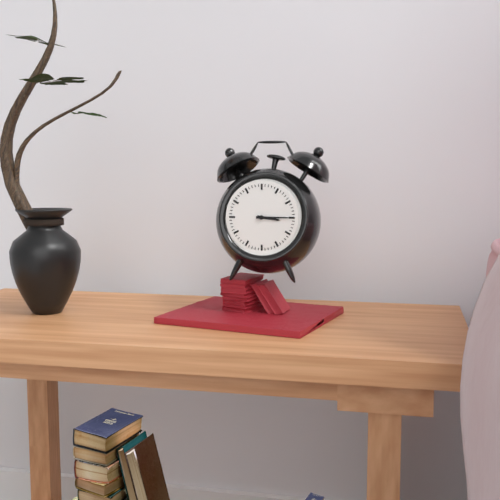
3:15
